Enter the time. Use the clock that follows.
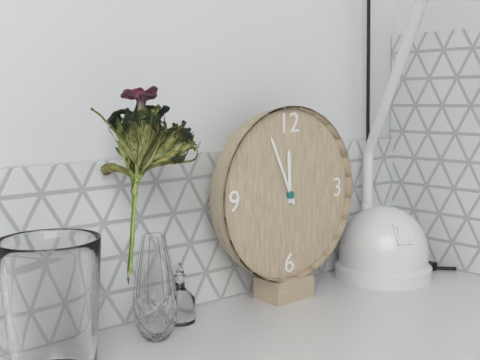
11:56
